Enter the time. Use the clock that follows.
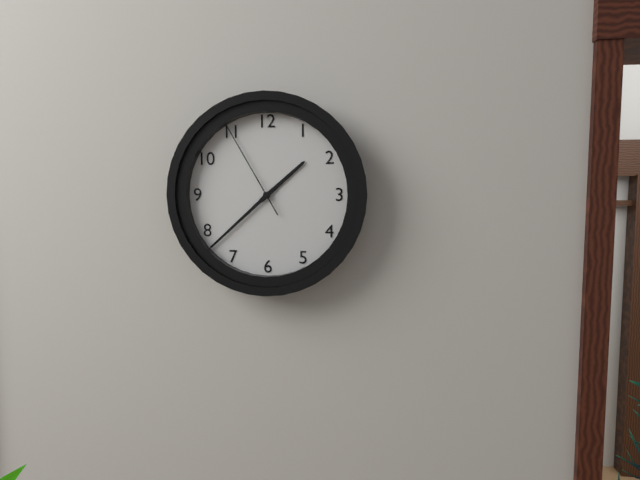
1:38:55
